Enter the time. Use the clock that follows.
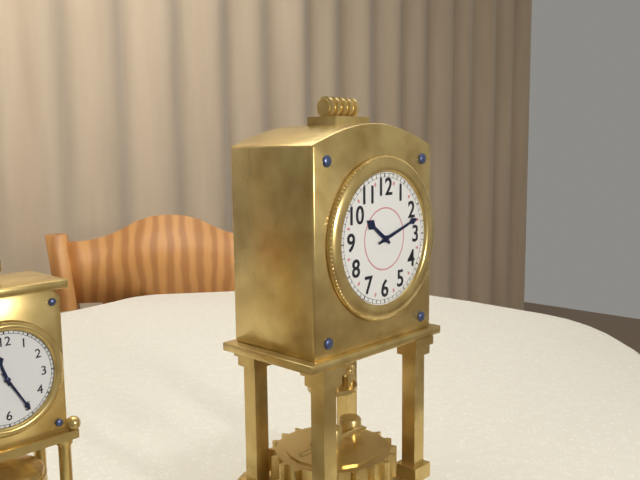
10:12
